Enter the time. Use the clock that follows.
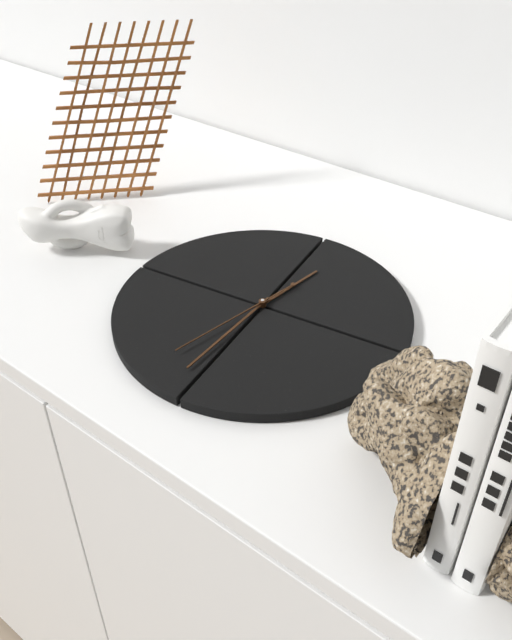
12:31:33
